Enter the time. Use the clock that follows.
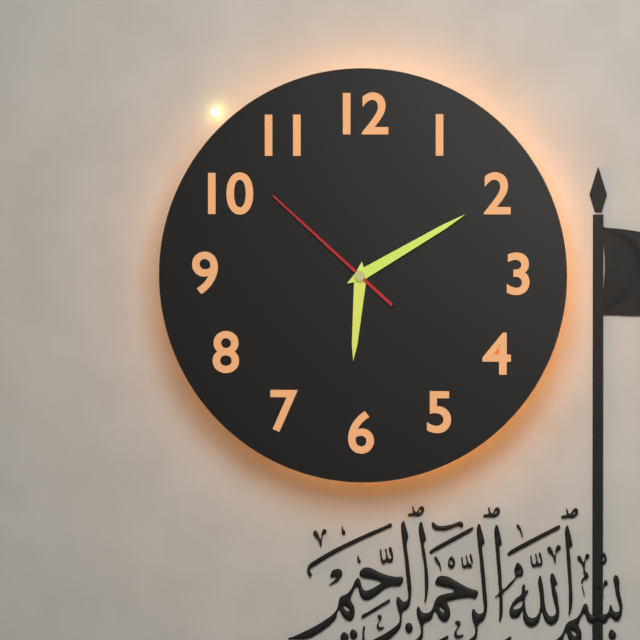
6:10:52
